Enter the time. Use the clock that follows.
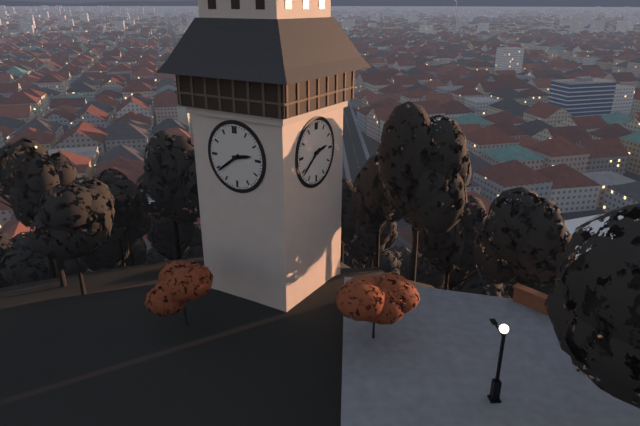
2:39
